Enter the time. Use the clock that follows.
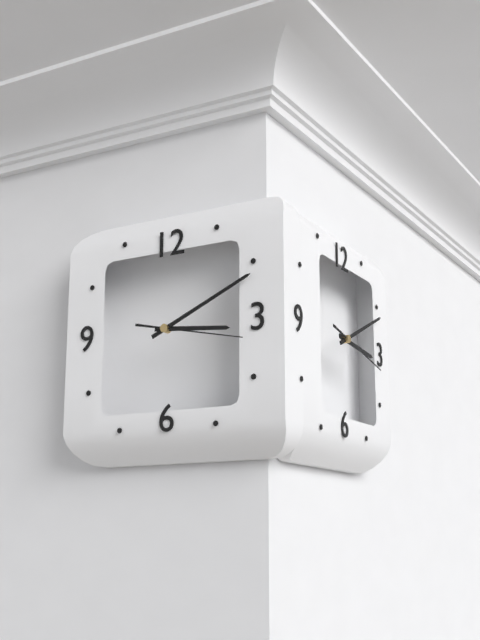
3:11:17
